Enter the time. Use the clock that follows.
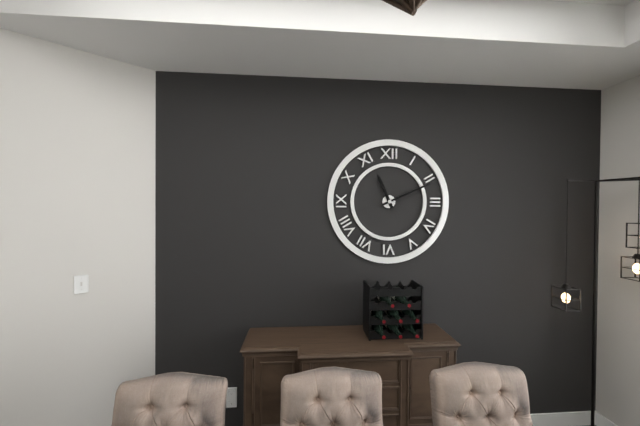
11:11
